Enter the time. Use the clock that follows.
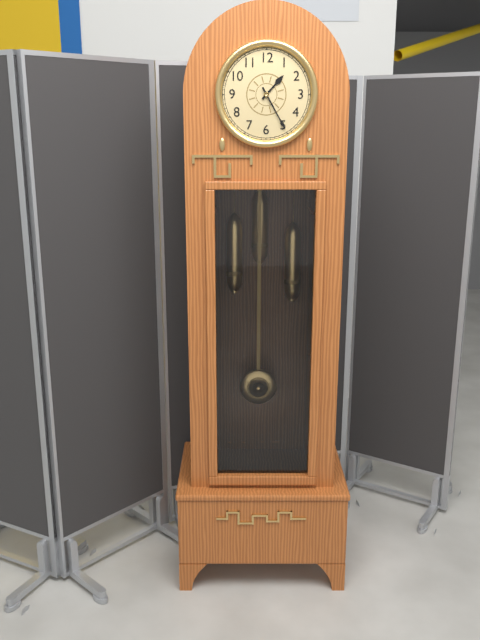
1:25
